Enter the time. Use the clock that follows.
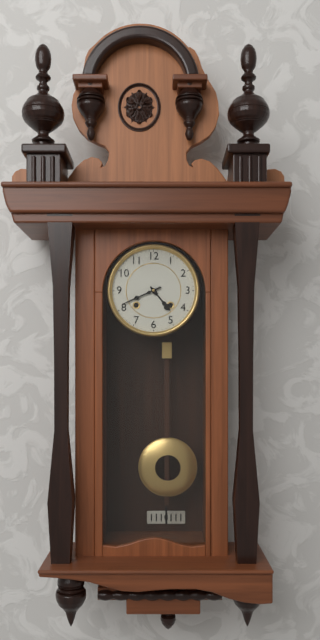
4:41
